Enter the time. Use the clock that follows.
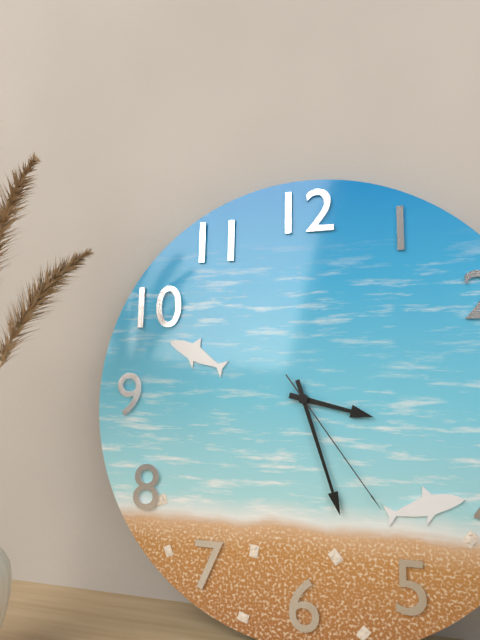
3:27:24
